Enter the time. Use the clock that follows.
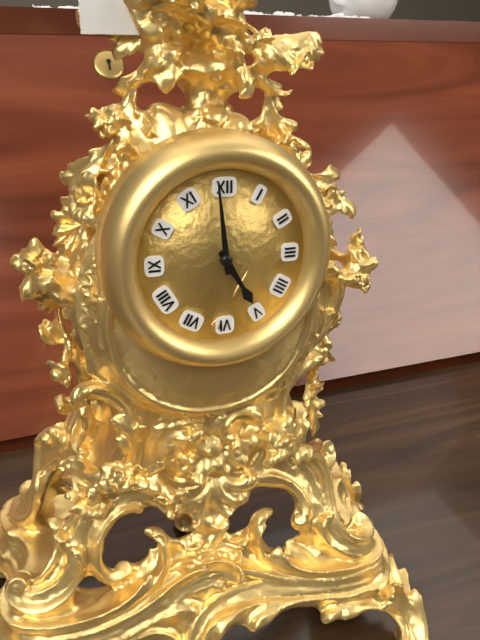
4:59
